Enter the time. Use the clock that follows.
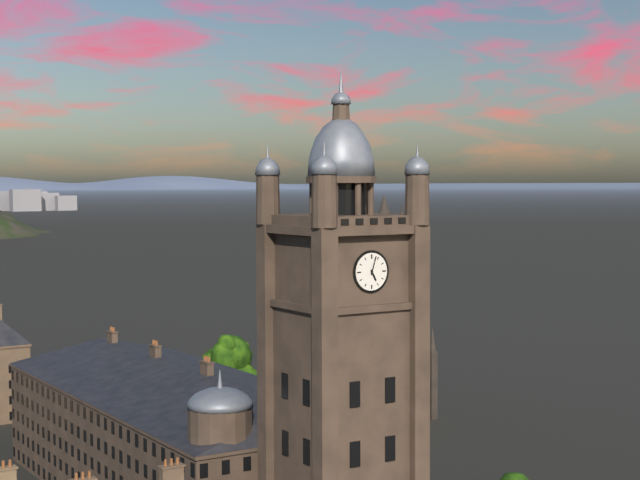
5:03
